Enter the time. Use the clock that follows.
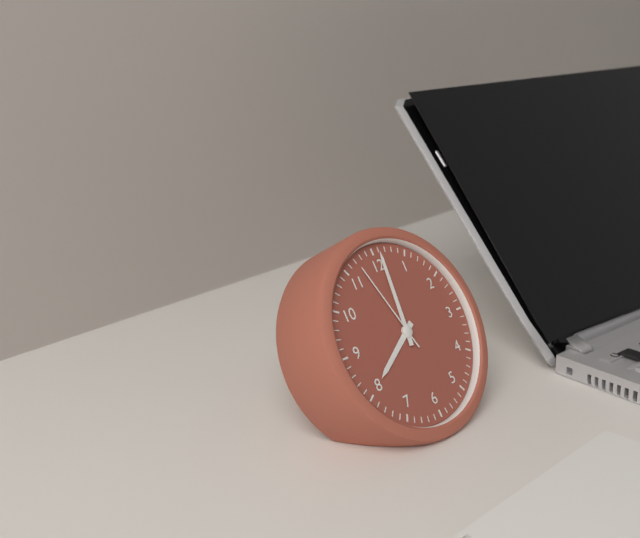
8:01:57
